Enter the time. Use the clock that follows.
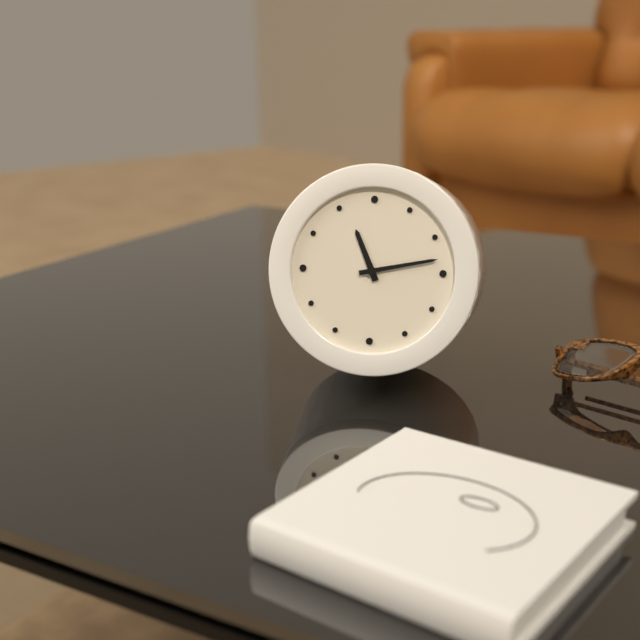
11:13
